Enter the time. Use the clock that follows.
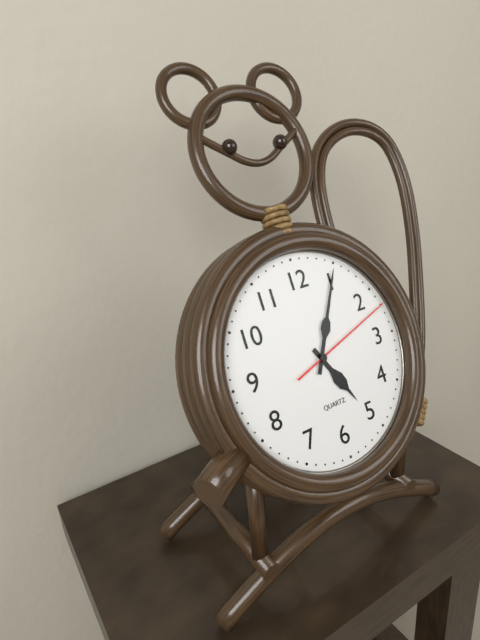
5:05:12
